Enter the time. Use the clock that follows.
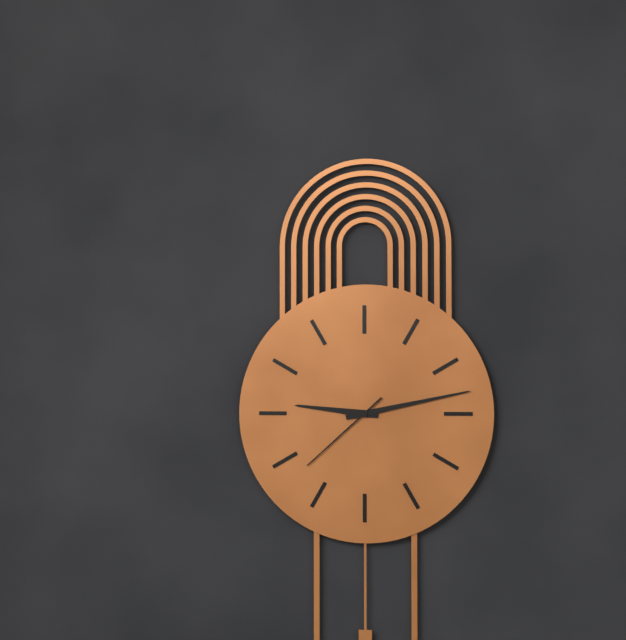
9:13:38
